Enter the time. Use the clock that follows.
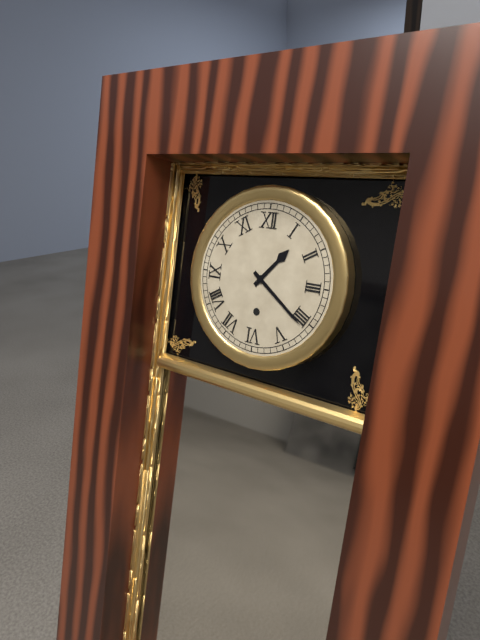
1:21
